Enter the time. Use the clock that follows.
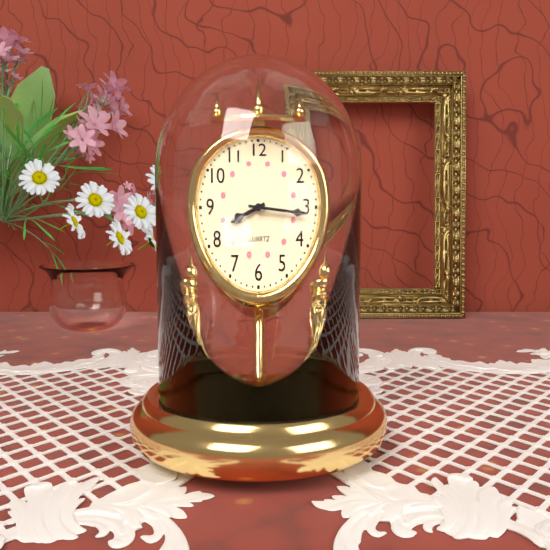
8:16
